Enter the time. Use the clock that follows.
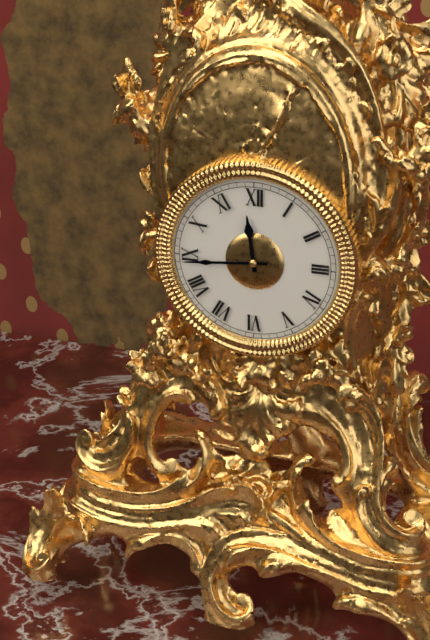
11:44
